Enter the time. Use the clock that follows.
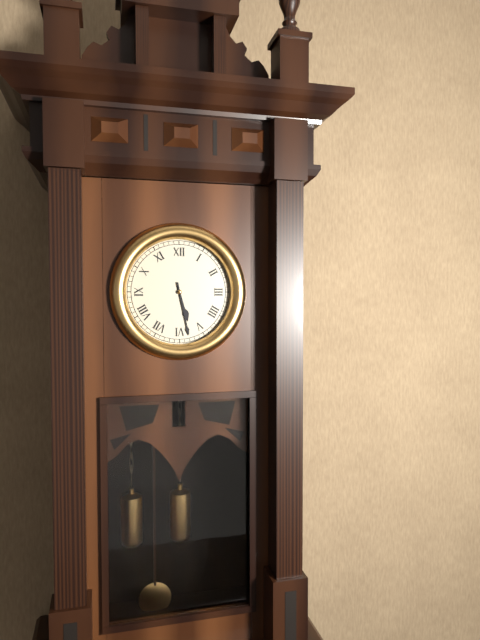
5:28
